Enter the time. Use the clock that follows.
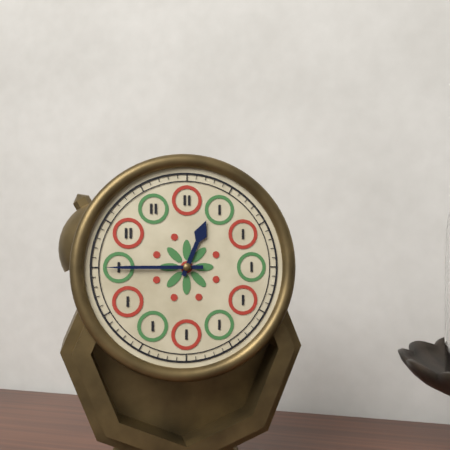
12:45
